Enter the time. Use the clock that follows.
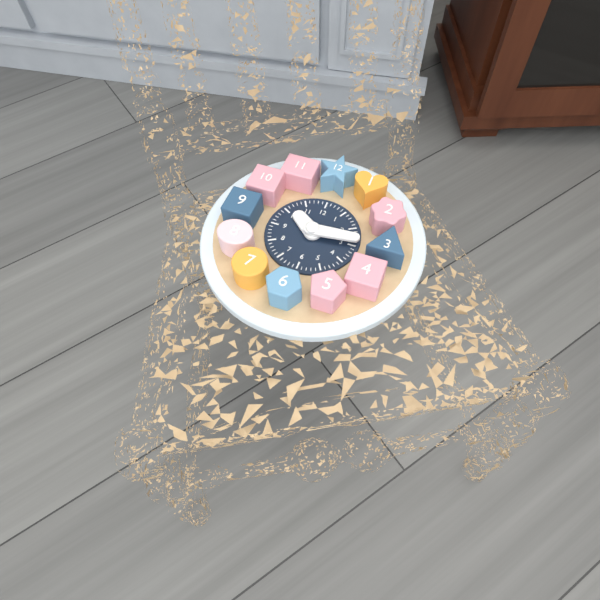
10:14
